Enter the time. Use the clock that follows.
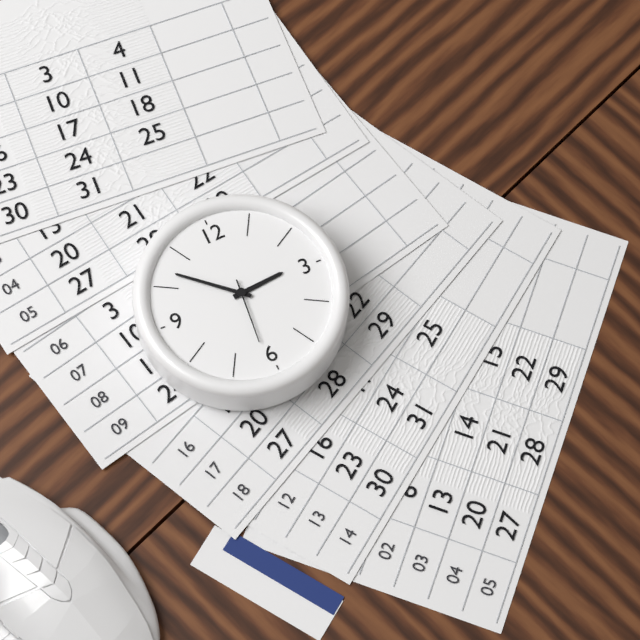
2:52:31
